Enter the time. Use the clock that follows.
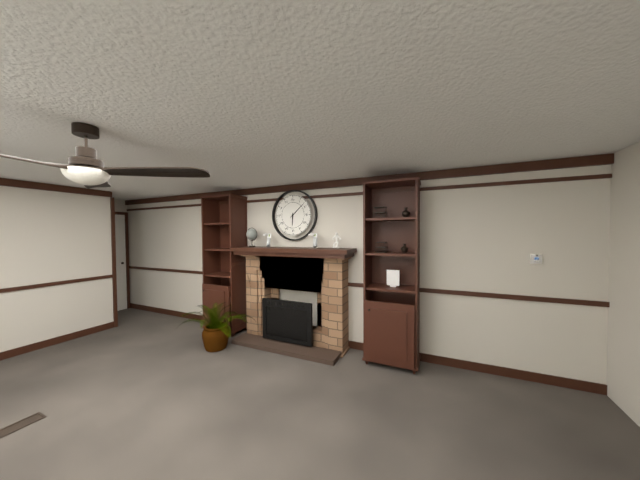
6:08
